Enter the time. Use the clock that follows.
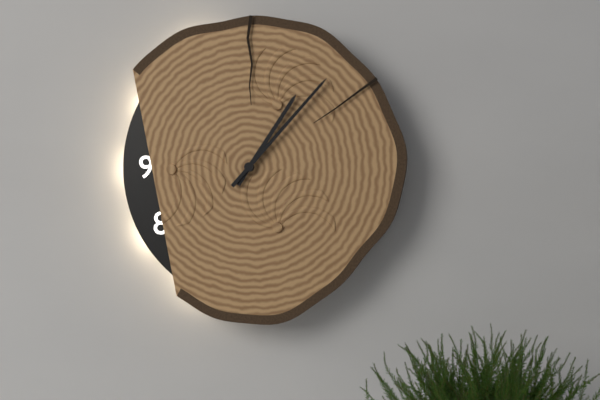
1:07
